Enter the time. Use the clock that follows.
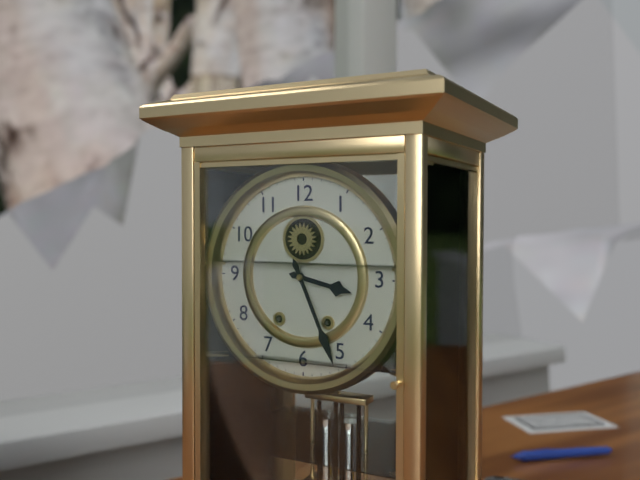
3:26
